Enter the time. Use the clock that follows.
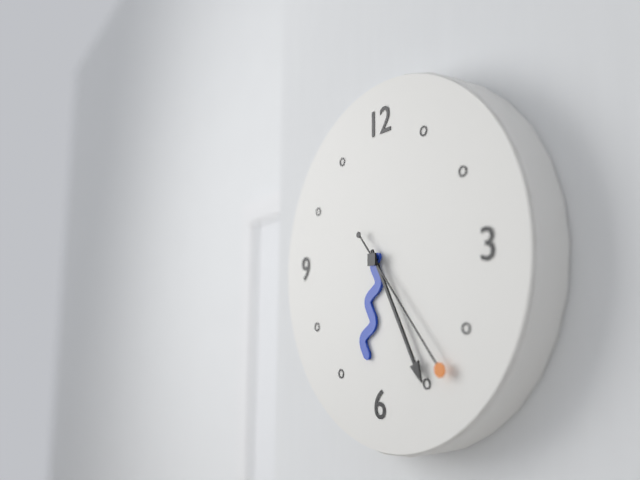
6:25:23
